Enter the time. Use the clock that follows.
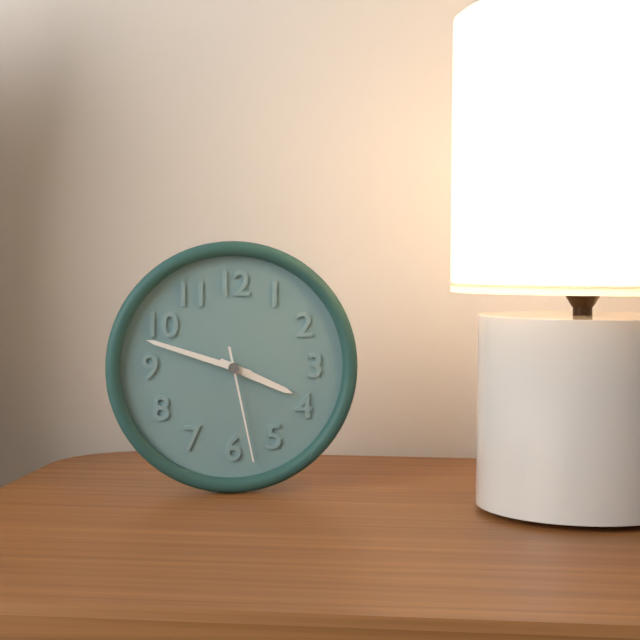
3:48:28
